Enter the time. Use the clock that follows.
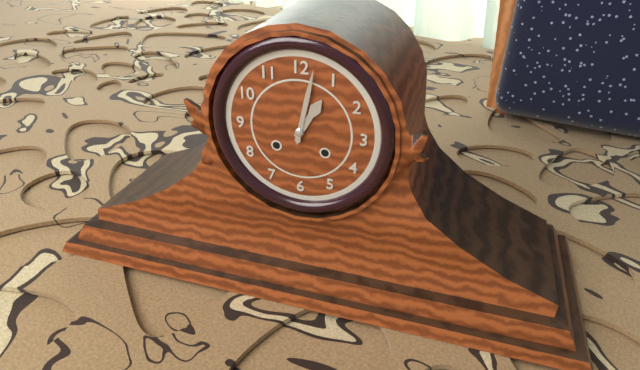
1:02
